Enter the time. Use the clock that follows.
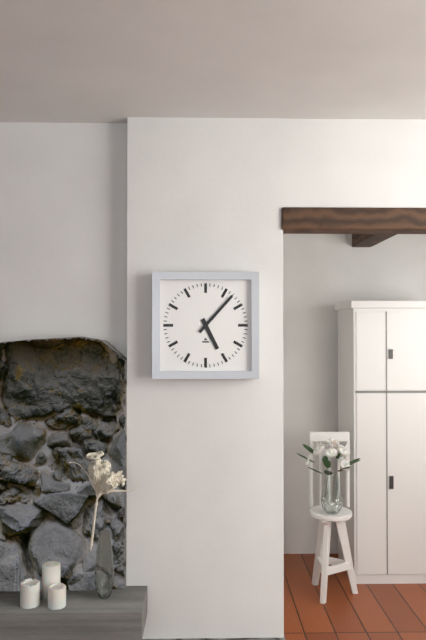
5:07
